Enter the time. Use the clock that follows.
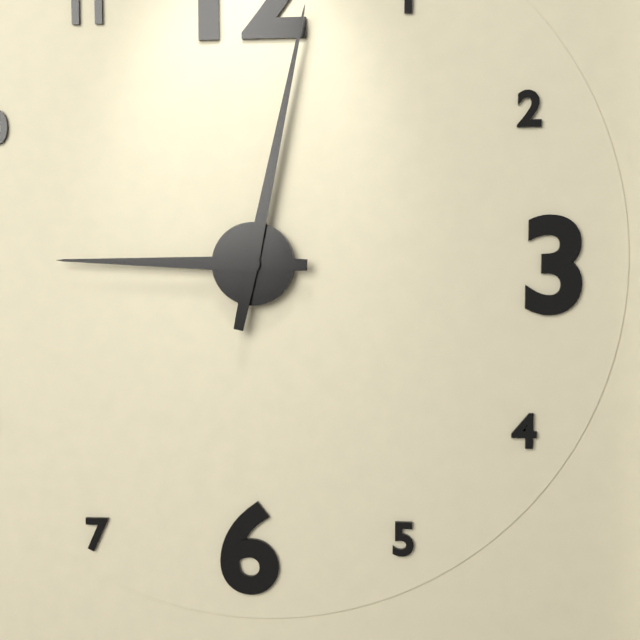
9:02
